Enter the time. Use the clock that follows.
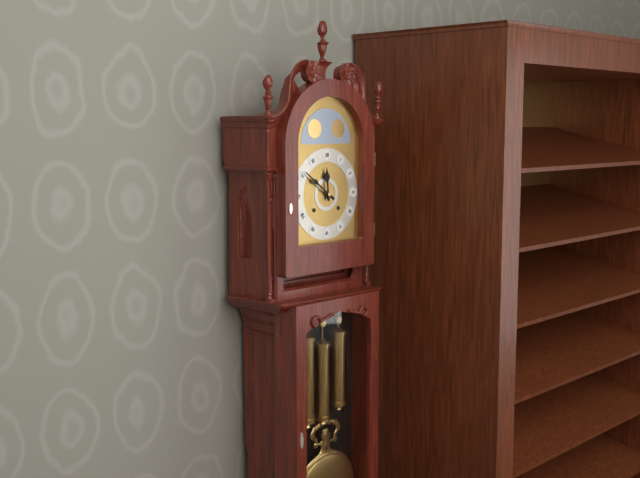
11:51
